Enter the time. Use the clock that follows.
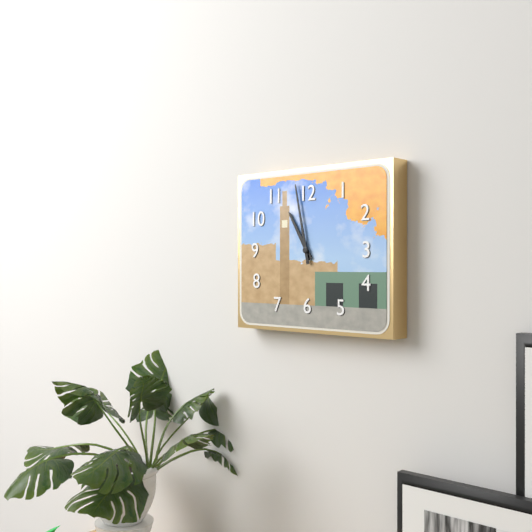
10:58
